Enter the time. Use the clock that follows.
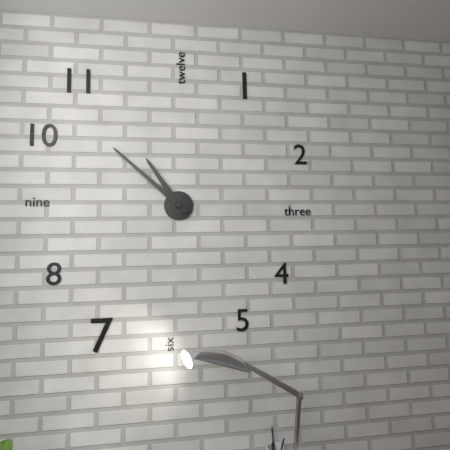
10:52
